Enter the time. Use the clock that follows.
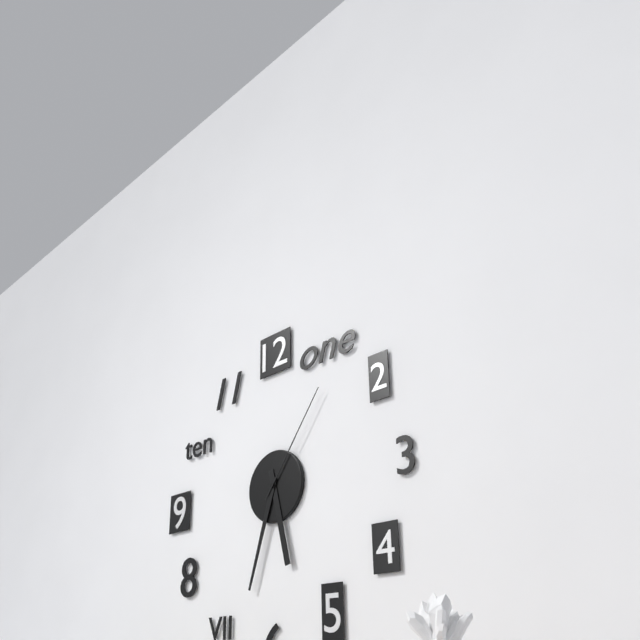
5:33:06
